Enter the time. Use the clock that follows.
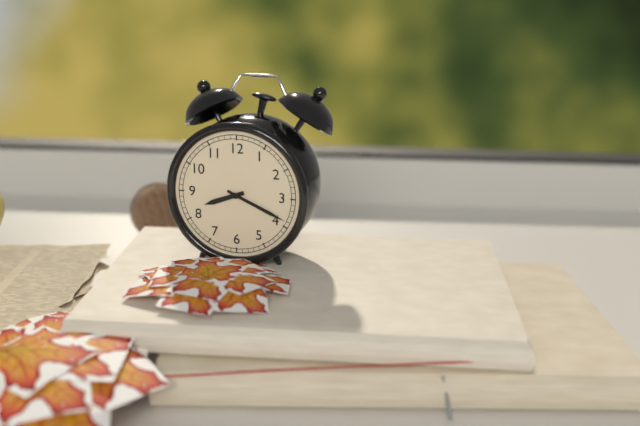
8:19
